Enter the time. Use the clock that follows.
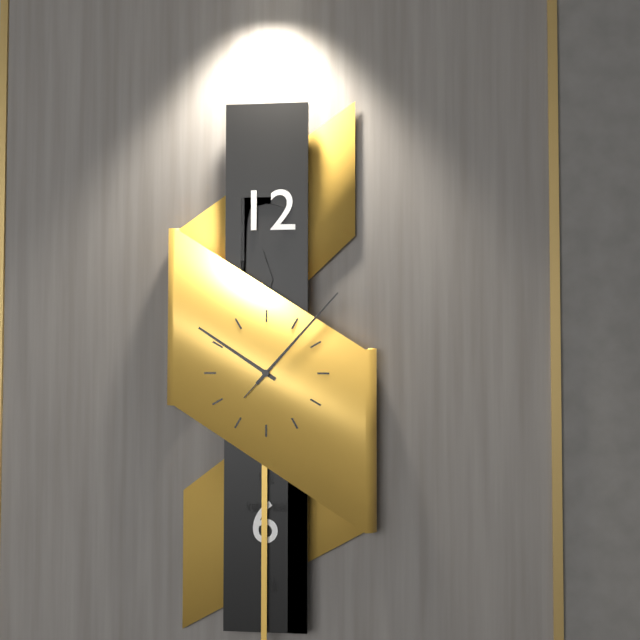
10:07:07
